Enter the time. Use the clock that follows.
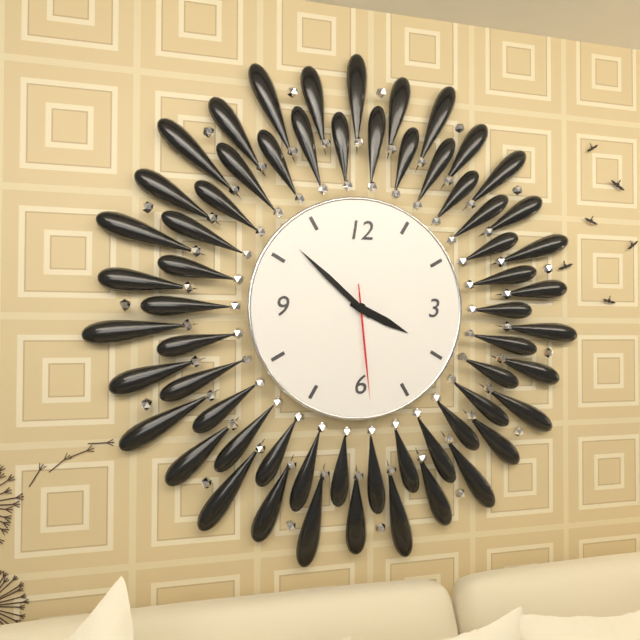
3:52:29
